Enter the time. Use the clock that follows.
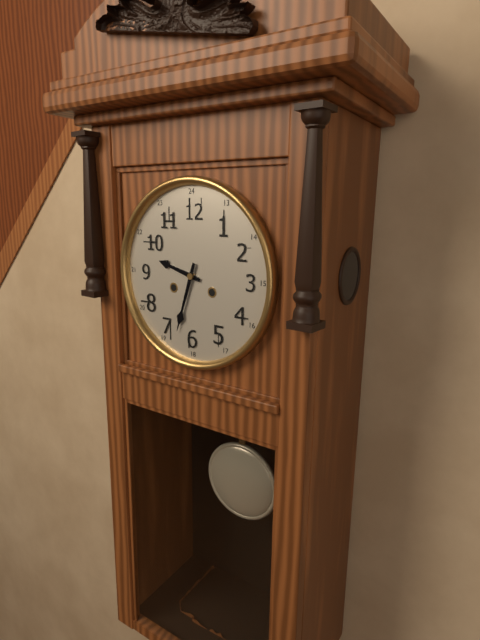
9:33
